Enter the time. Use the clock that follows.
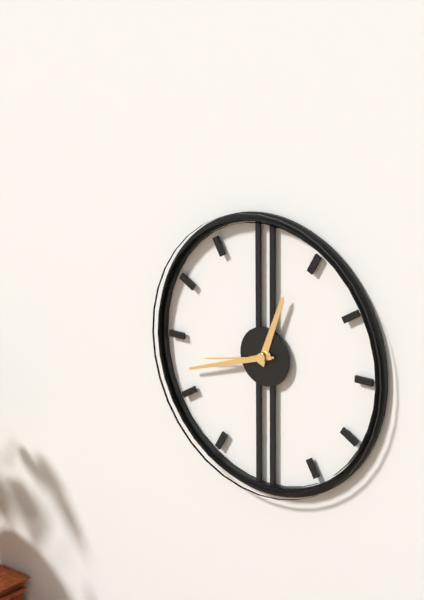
12:42:43
